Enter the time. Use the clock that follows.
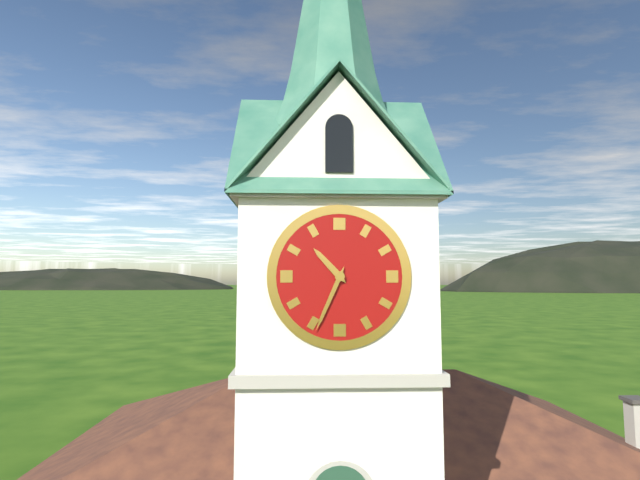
10:34
